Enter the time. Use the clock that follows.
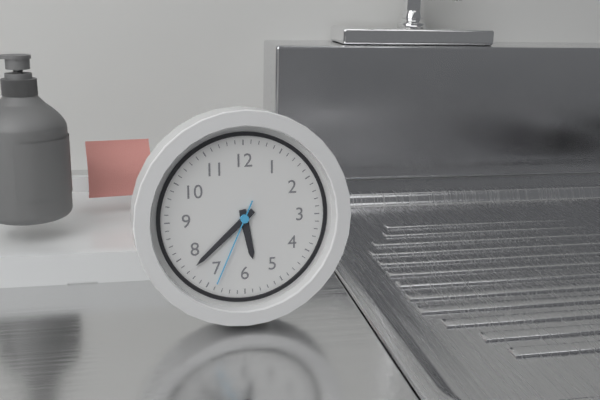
5:38:34
